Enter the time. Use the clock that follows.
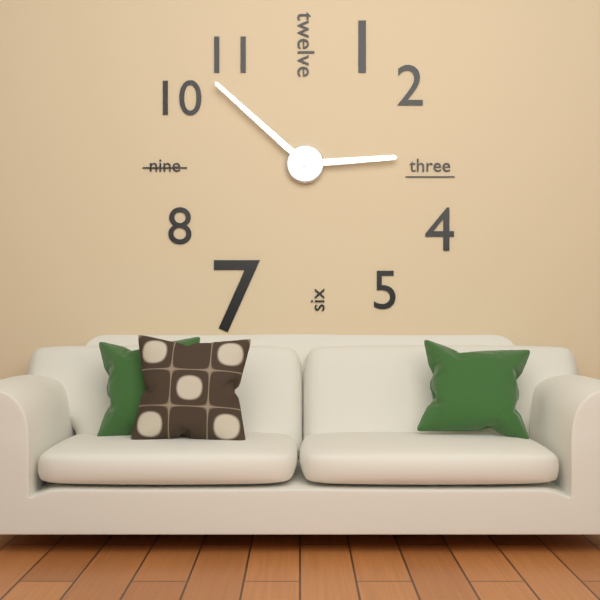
2:52
